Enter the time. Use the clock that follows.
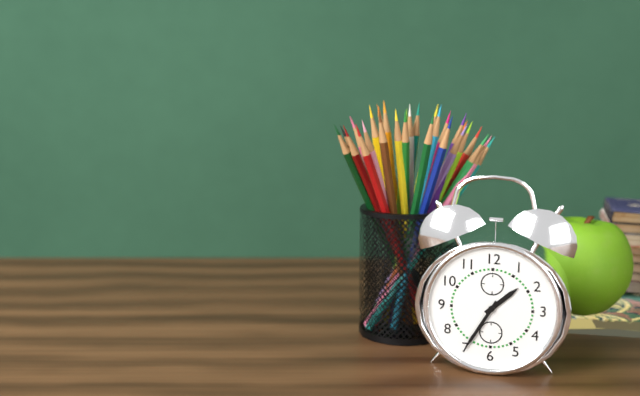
1:35
